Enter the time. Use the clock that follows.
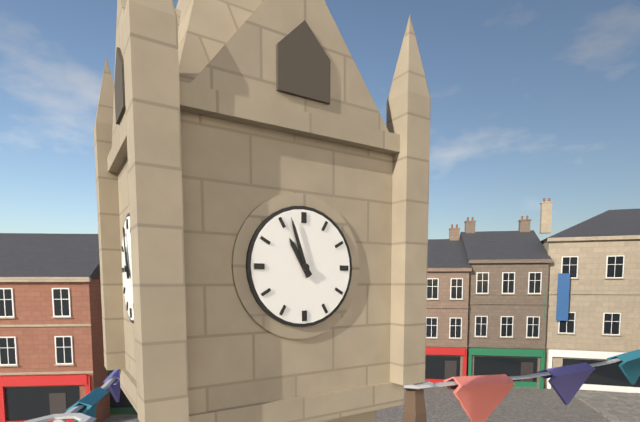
10:57
